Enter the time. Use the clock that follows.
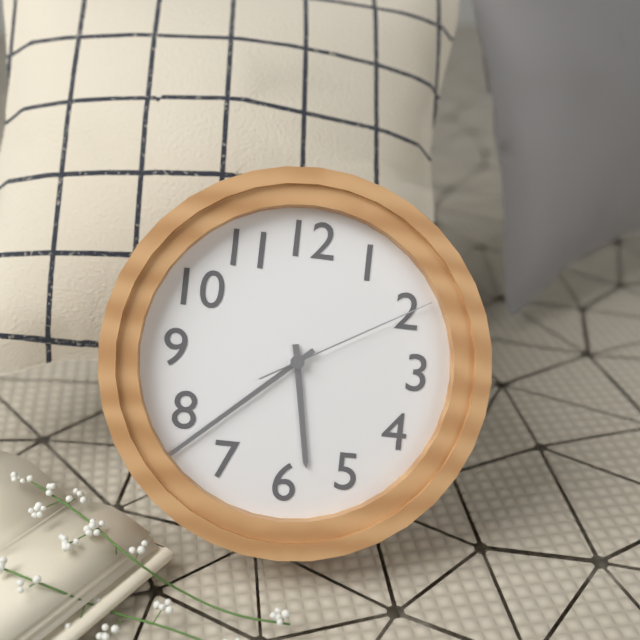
5:38:10
